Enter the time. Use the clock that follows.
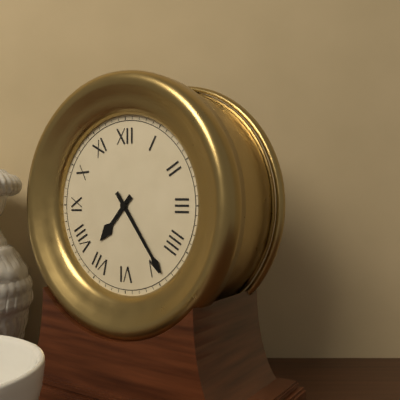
7:24
